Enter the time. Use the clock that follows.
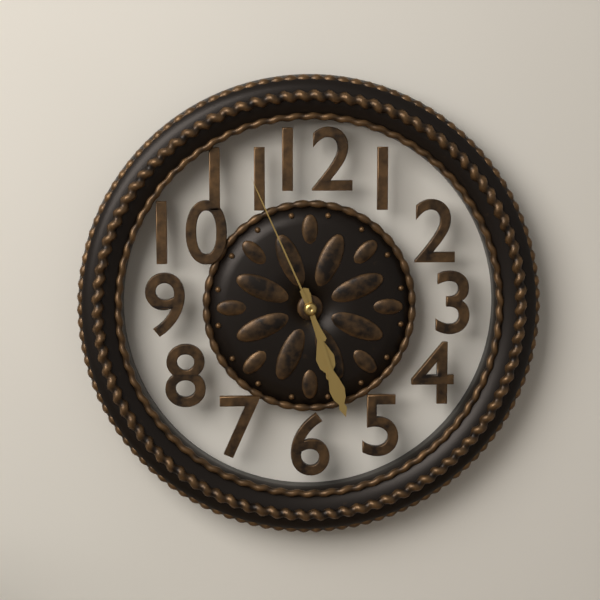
5:27:56
